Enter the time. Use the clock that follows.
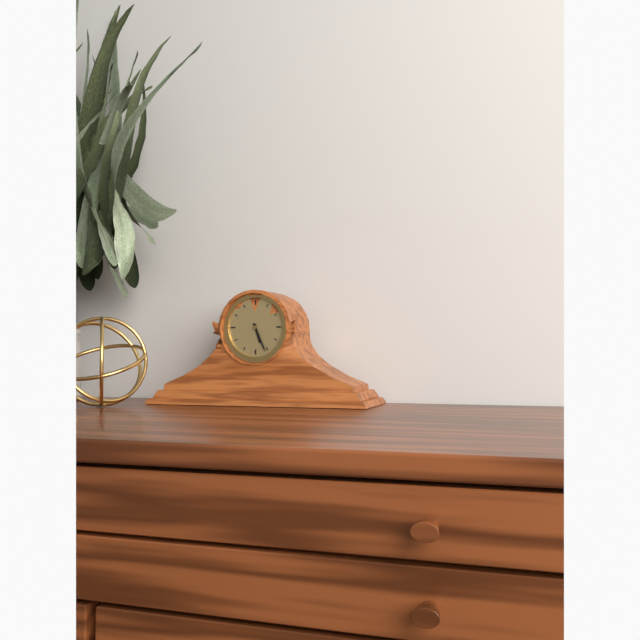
5:26
